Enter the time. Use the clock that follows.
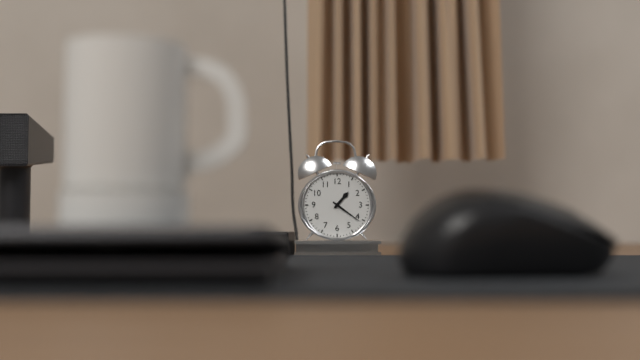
1:21
